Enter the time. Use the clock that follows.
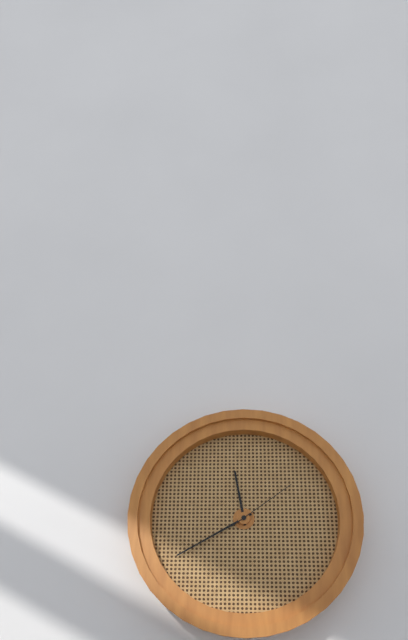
11:40:09
